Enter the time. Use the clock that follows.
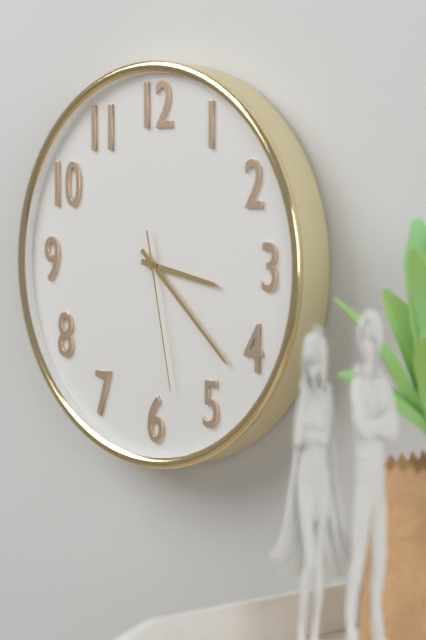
3:22:28
